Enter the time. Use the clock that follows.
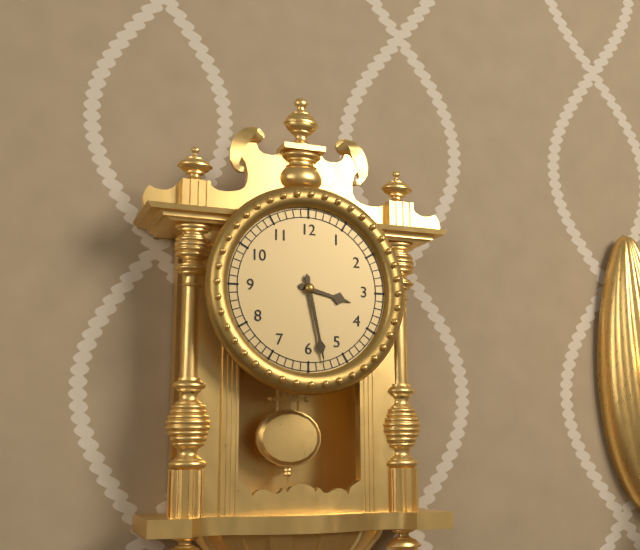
3:28
